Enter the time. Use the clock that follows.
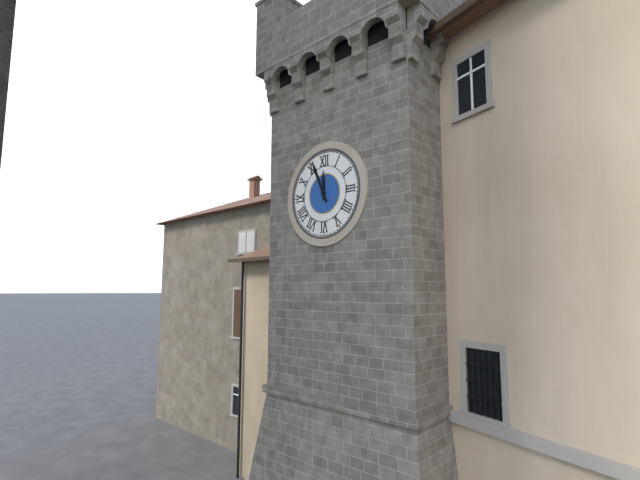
11:56
